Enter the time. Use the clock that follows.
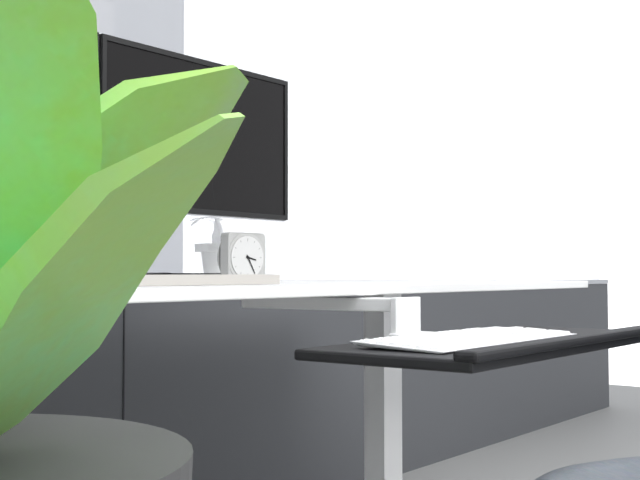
3:25
